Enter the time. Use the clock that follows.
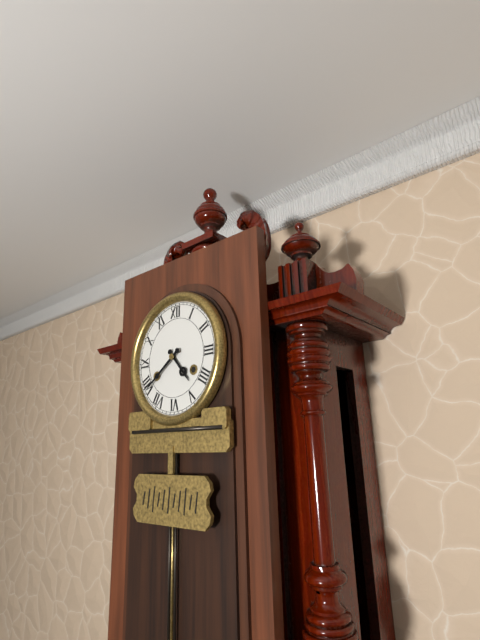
4:39
